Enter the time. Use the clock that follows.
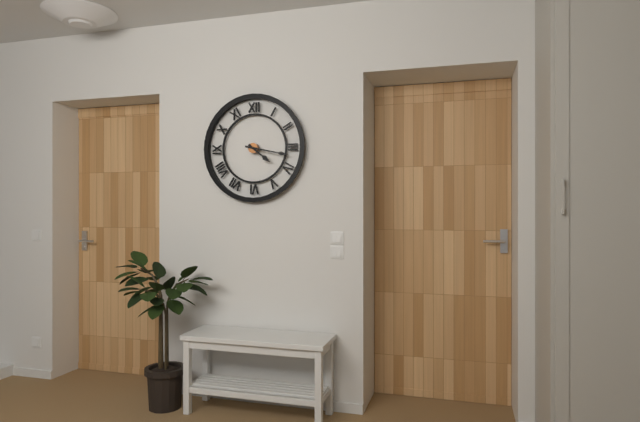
4:17
